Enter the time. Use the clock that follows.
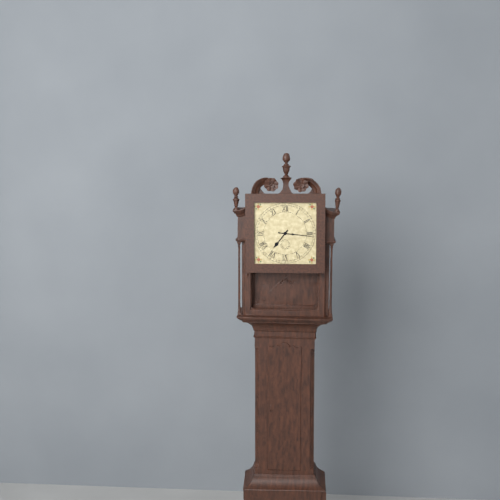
7:16
